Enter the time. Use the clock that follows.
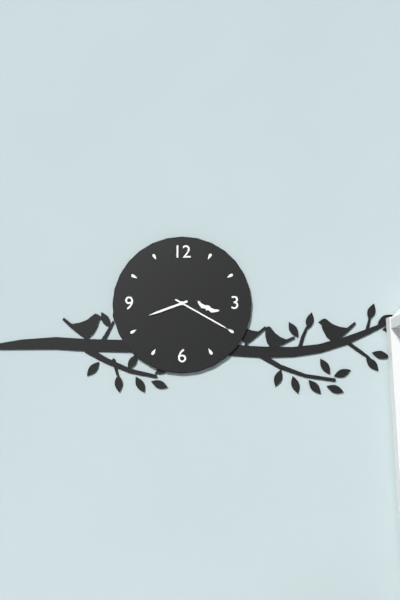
8:20
